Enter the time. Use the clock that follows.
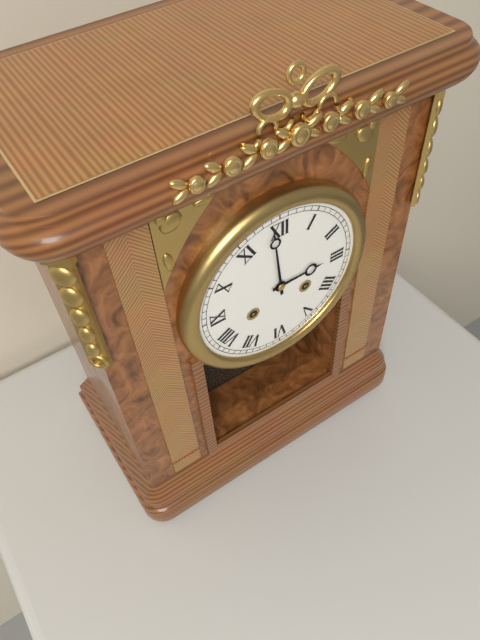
2:59
